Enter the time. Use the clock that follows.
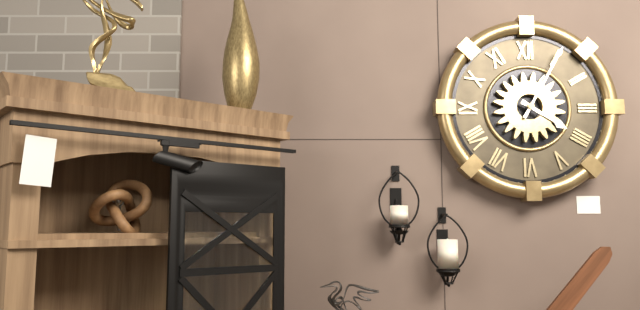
4:05
